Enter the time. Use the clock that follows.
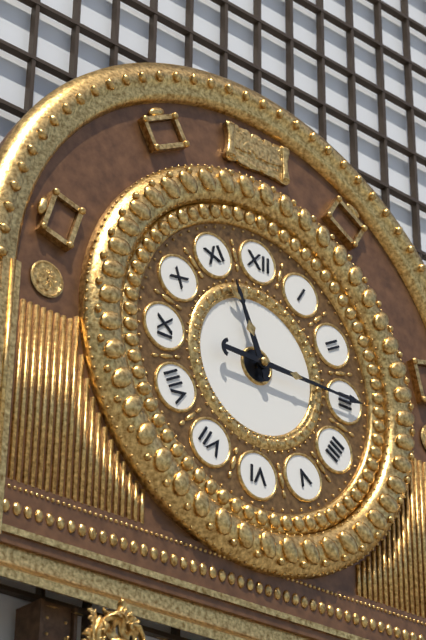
11:15
